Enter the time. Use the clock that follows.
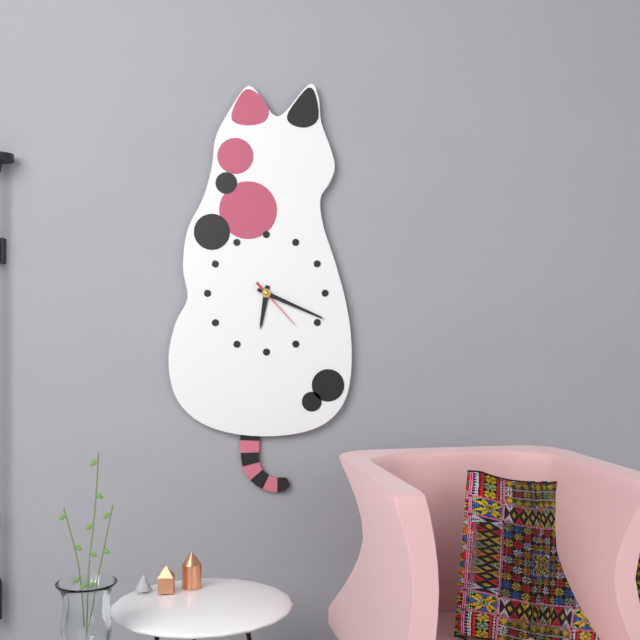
6:19:23
